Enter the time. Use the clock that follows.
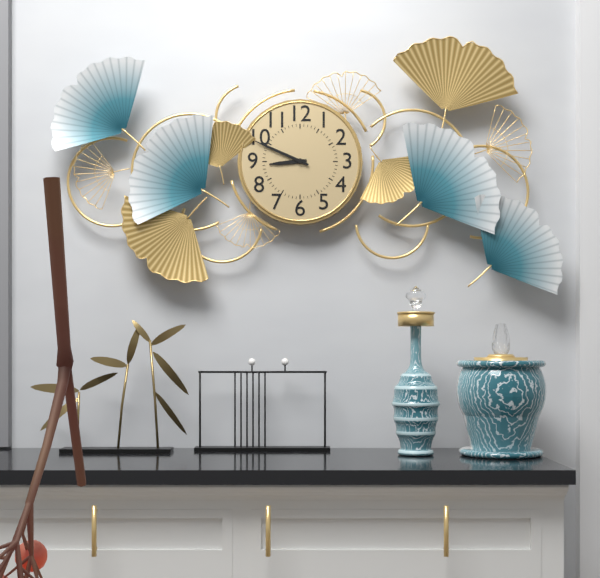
8:49
